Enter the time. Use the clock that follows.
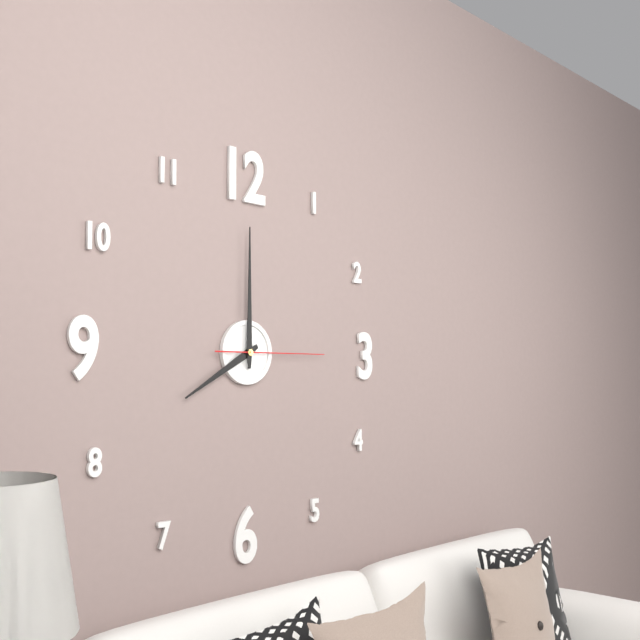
8:00:15
